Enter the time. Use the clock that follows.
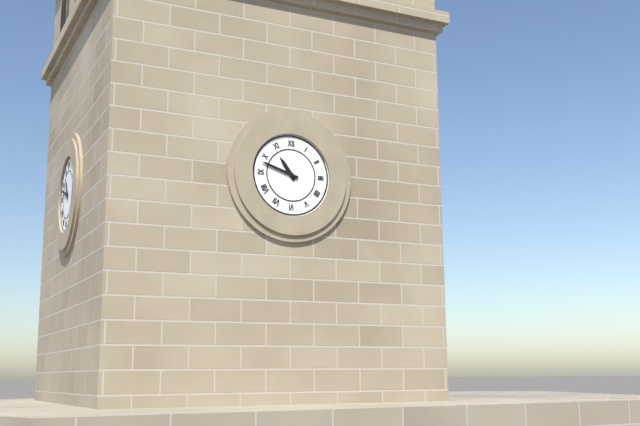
10:48
